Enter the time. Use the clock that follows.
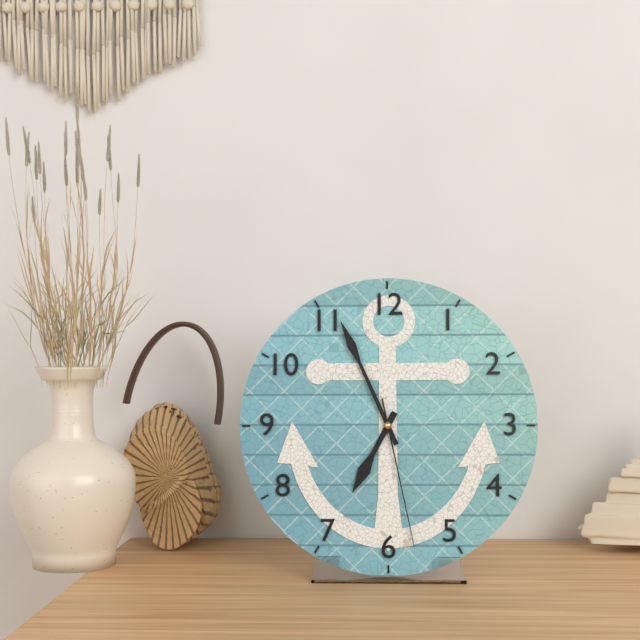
6:56:28
